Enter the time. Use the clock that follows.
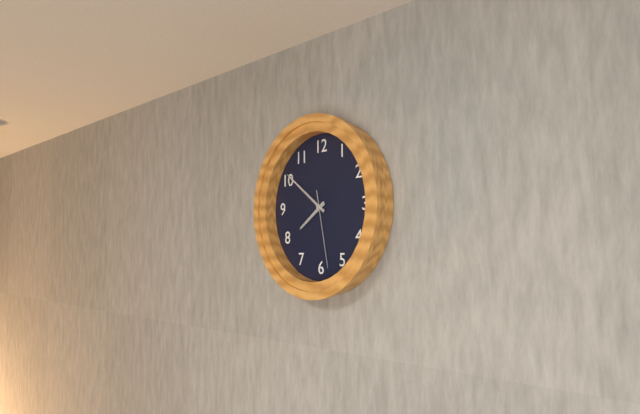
7:51:28
